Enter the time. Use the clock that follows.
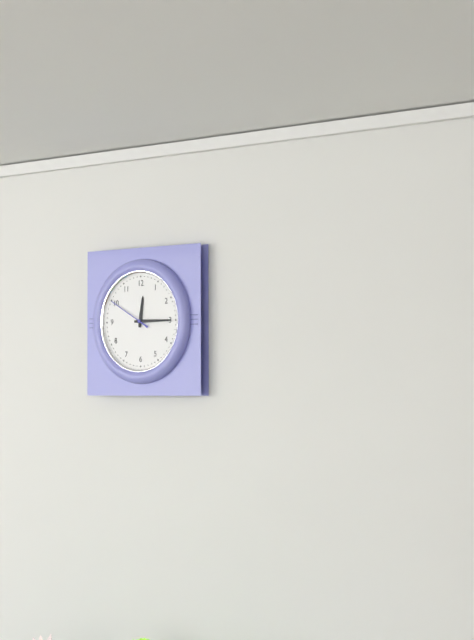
12:15:50
